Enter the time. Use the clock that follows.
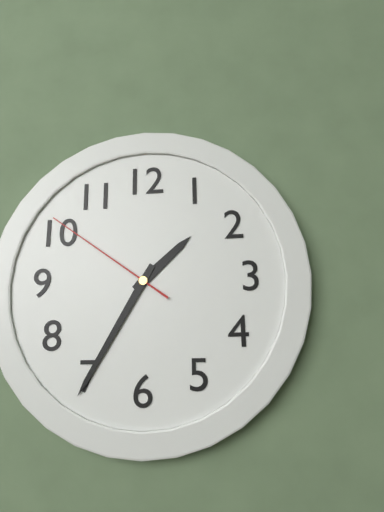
1:35:51
